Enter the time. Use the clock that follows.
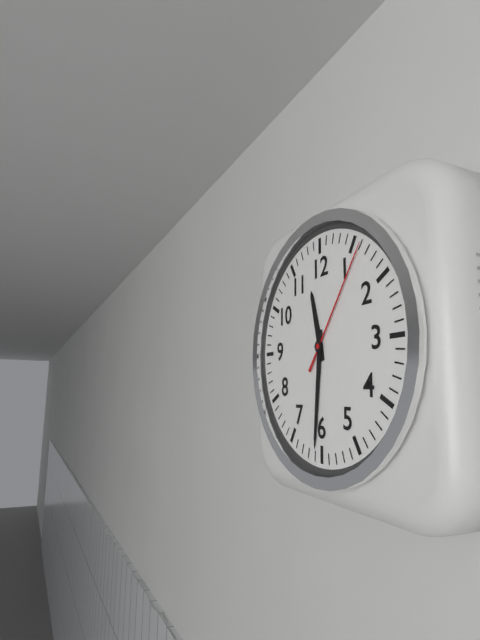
11:31:06
